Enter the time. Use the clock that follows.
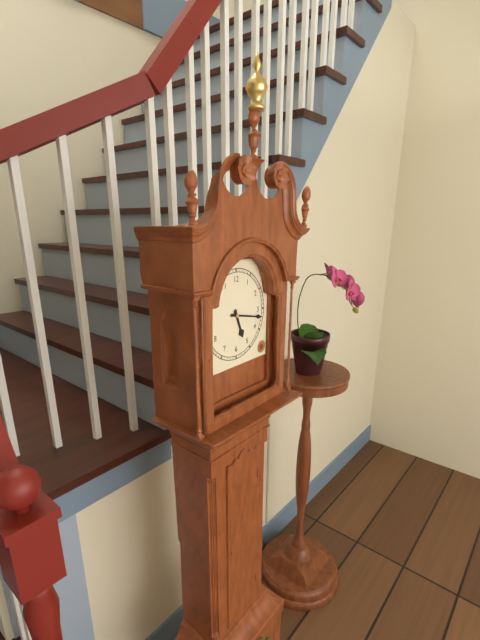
5:17
